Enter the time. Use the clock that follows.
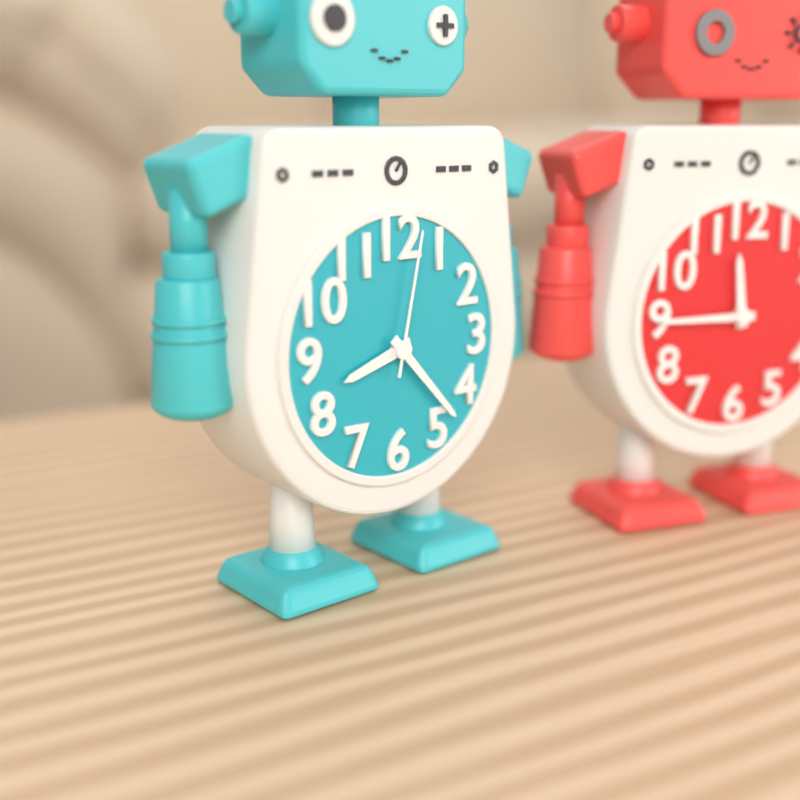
8:23:02
